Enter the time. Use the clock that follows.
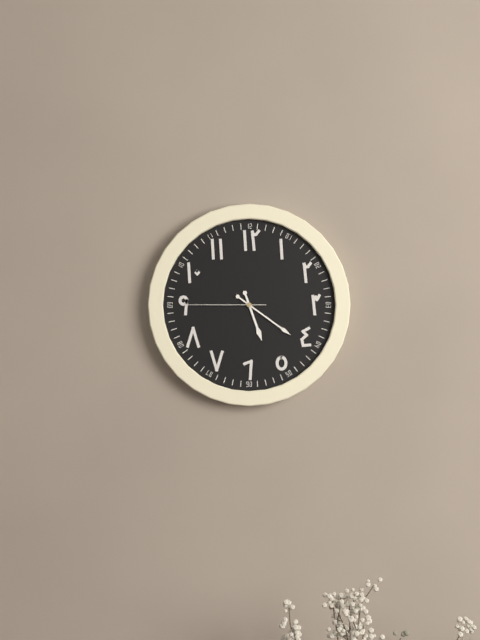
5:21:45
